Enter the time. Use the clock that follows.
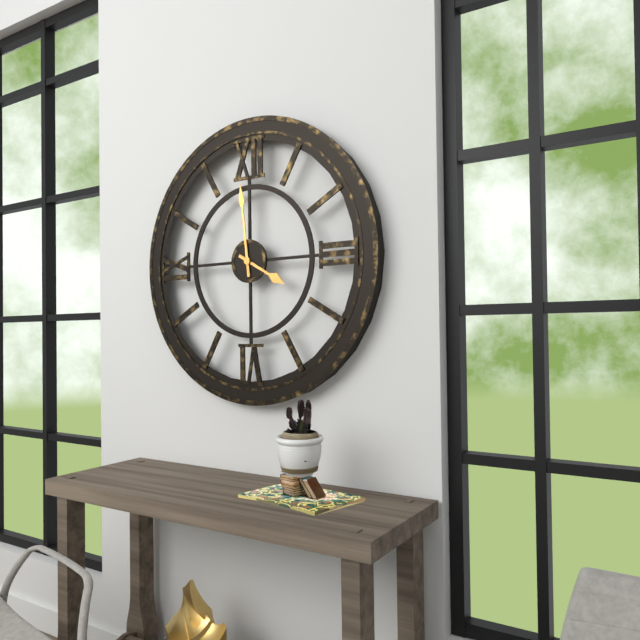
3:59
